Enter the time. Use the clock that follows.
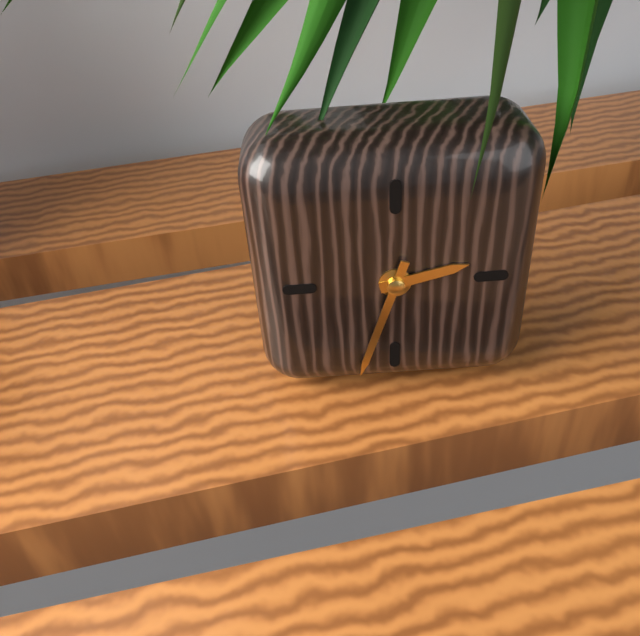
2:33
